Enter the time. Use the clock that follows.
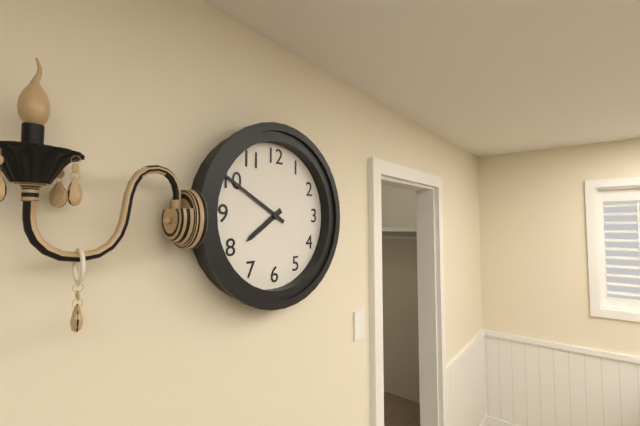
7:50
